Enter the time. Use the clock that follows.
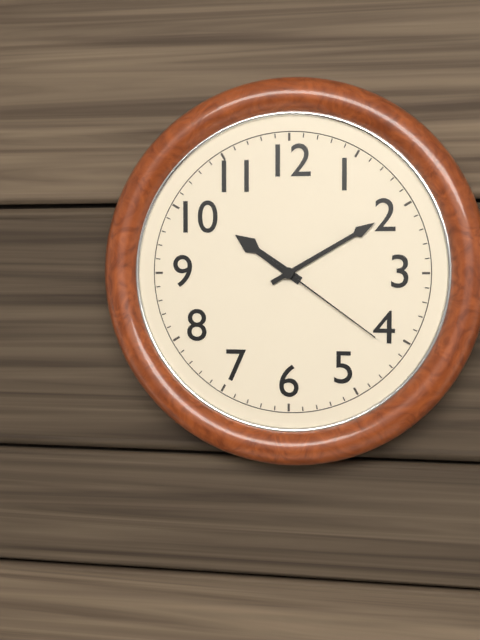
10:10:21
